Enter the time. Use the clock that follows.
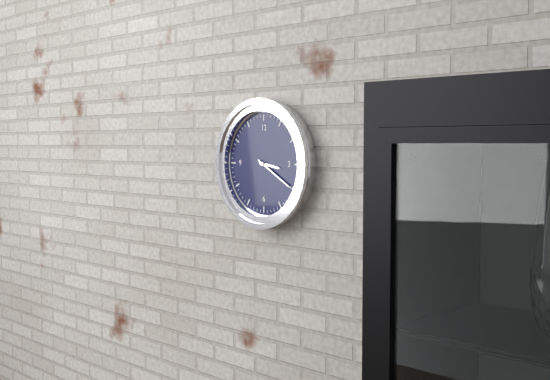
3:20
